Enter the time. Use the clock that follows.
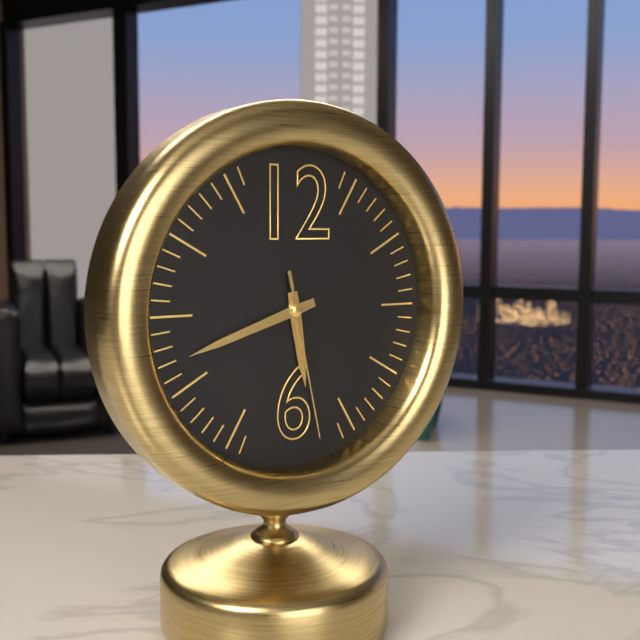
5:42:28
